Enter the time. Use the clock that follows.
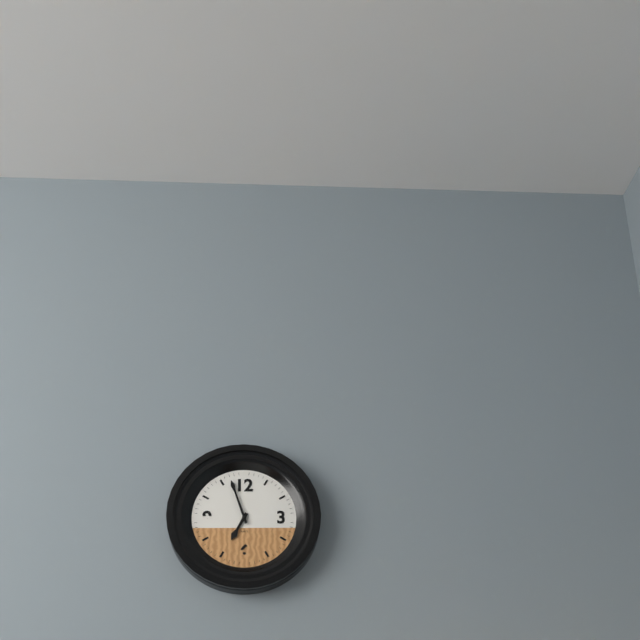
6:57
